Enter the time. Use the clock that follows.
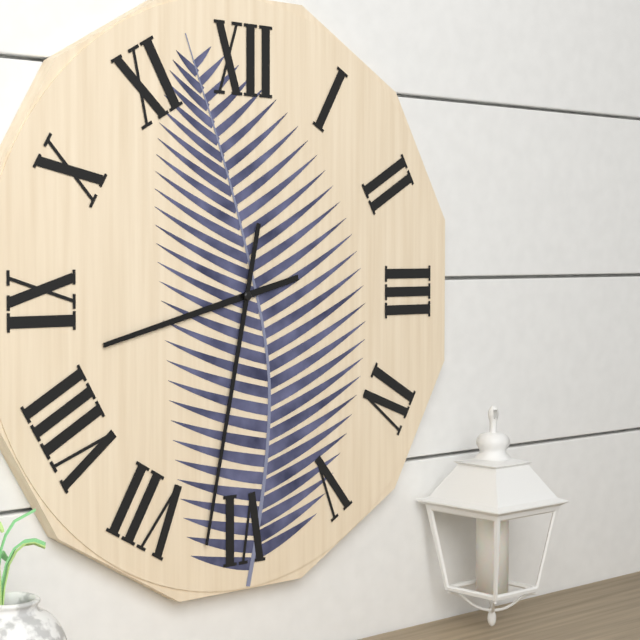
8:32
